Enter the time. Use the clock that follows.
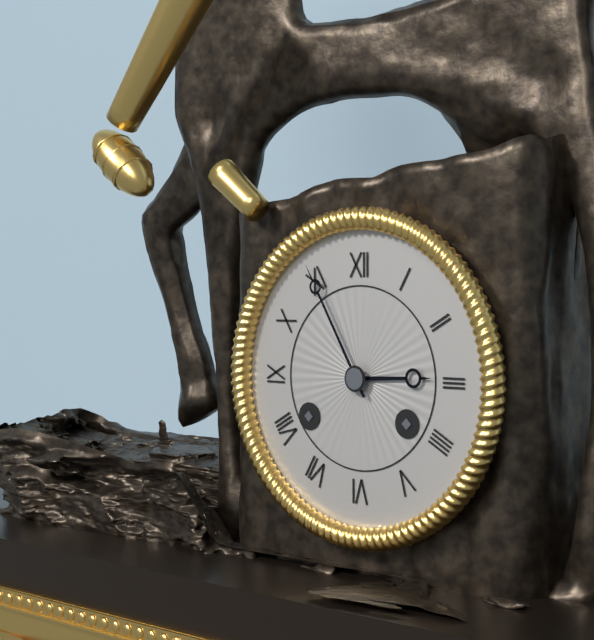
2:55
